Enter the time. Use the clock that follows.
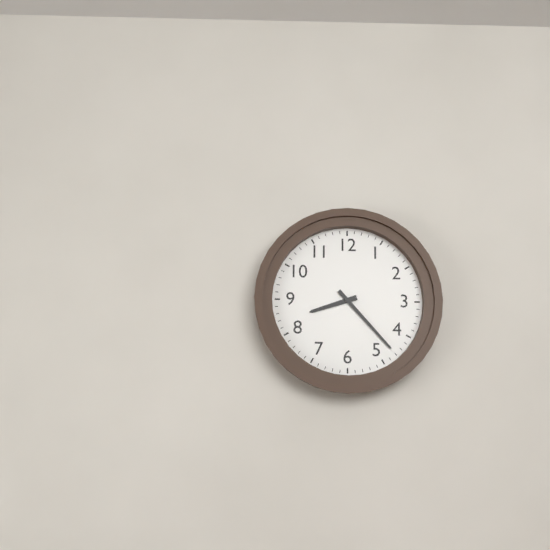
8:23
